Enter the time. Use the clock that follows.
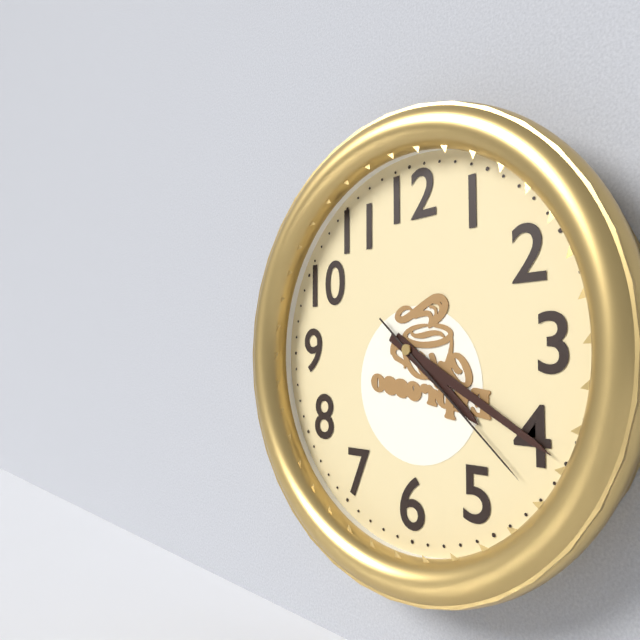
4:20:22
